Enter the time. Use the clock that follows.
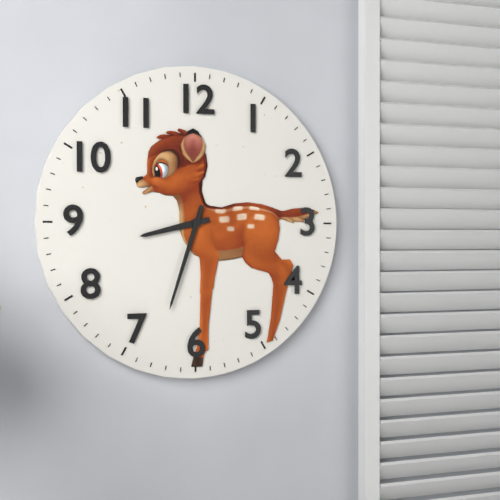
8:33
